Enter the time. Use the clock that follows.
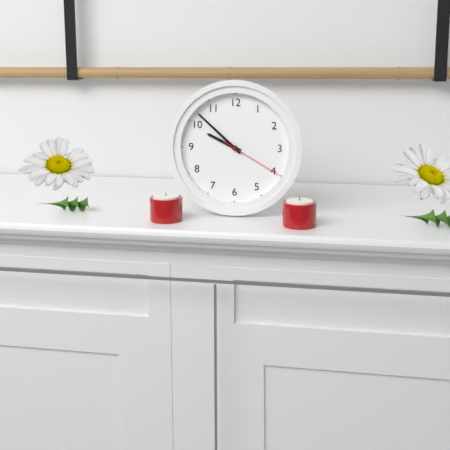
9:52:20
